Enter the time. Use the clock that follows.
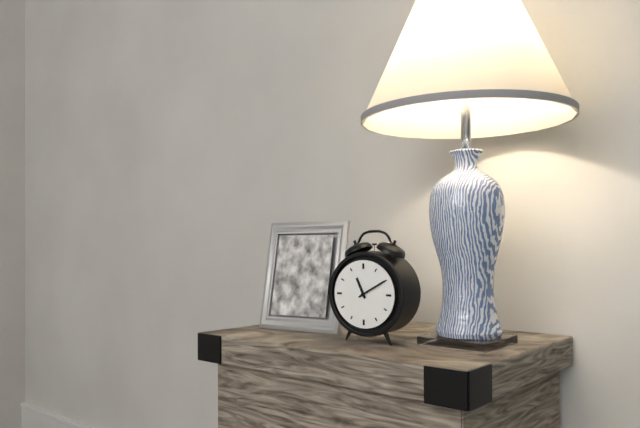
11:10
